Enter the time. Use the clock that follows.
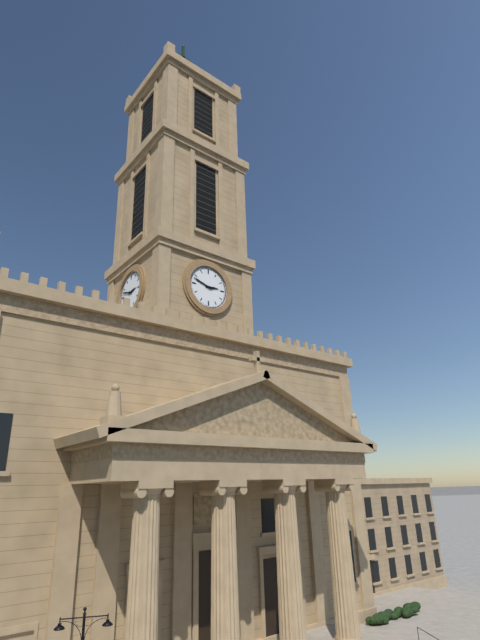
2:48
